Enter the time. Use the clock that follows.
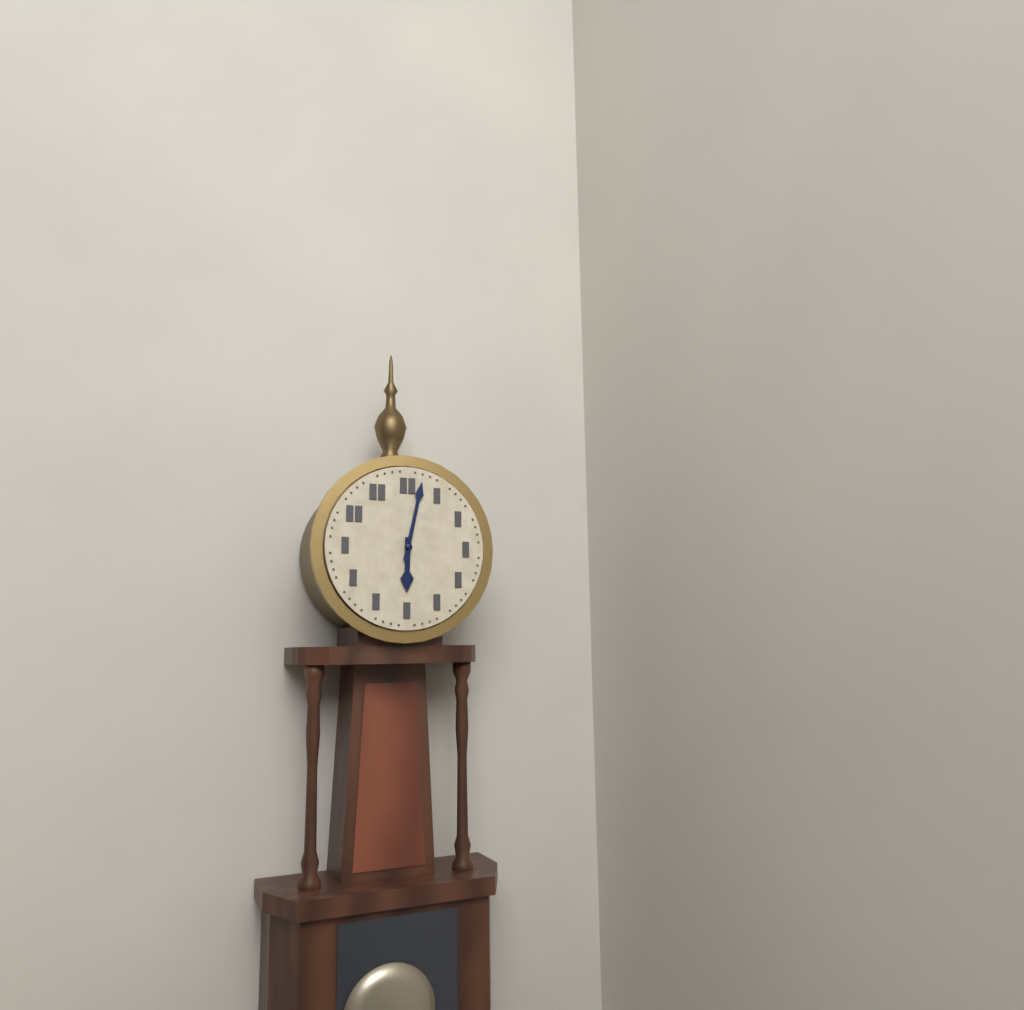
6:02
